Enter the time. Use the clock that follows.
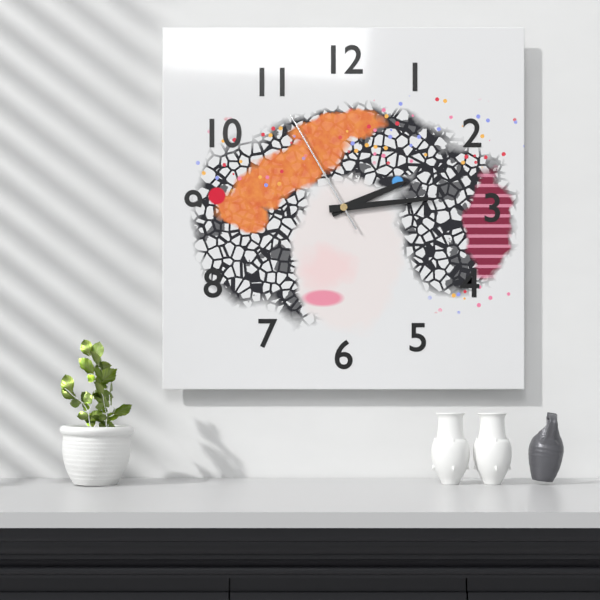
2:14:55
